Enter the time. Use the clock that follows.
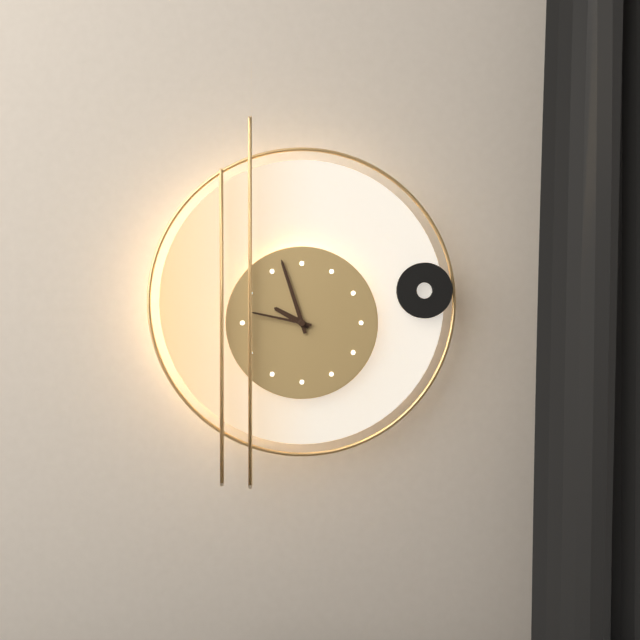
9:57:47
